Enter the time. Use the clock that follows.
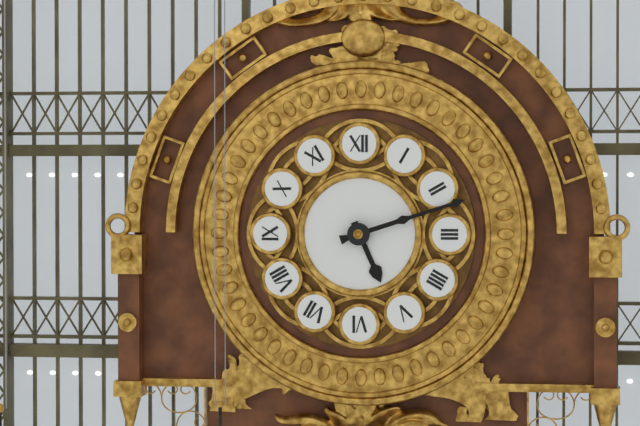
5:12
